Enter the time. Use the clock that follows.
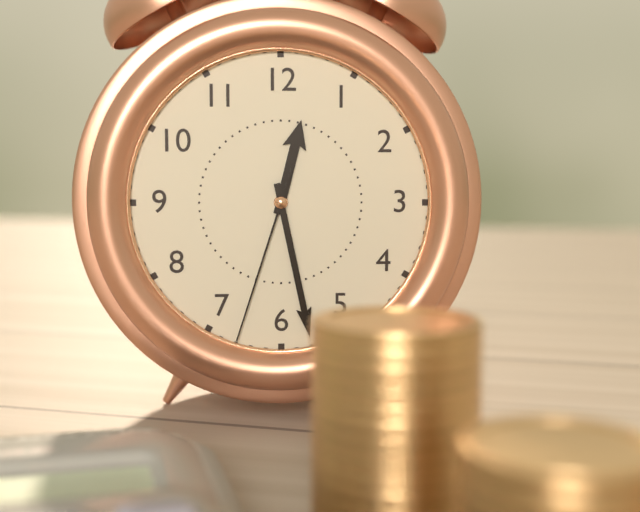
12:28:33
